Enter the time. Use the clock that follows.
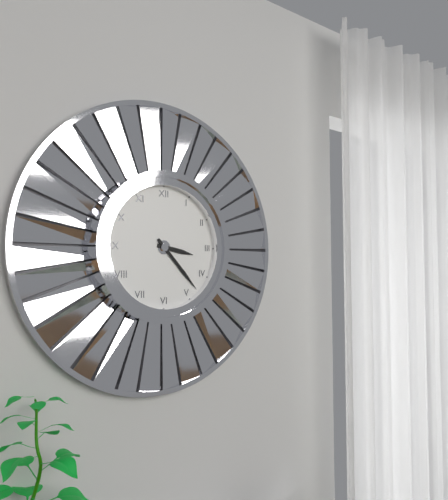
3:23
